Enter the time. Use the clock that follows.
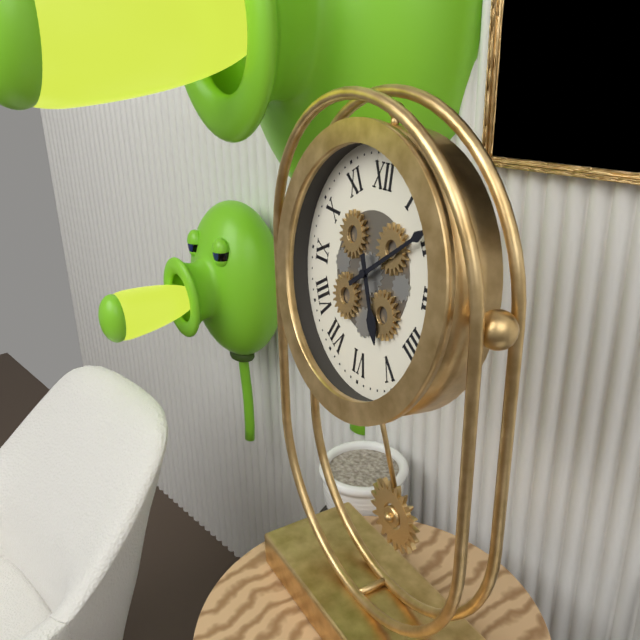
5:09
